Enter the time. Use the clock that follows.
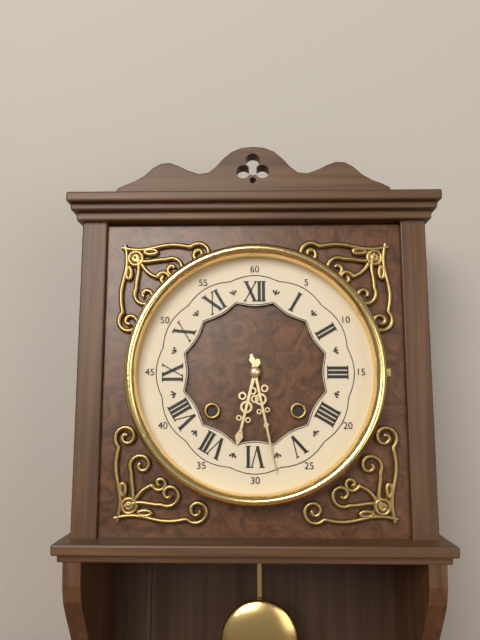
6:28
